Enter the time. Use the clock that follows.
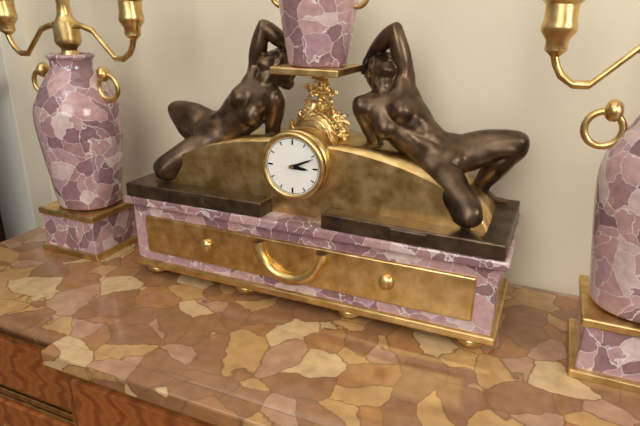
3:11
